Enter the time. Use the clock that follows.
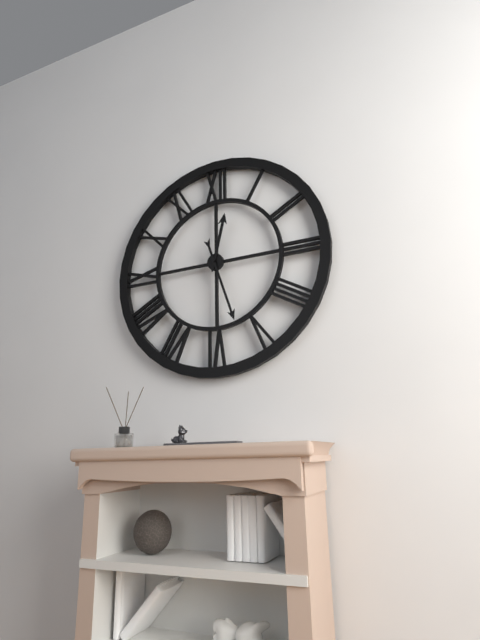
12:27
